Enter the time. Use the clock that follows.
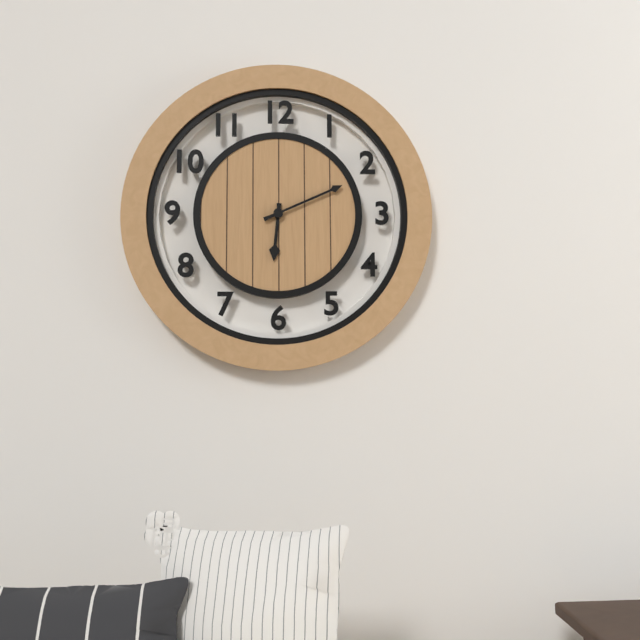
6:11
